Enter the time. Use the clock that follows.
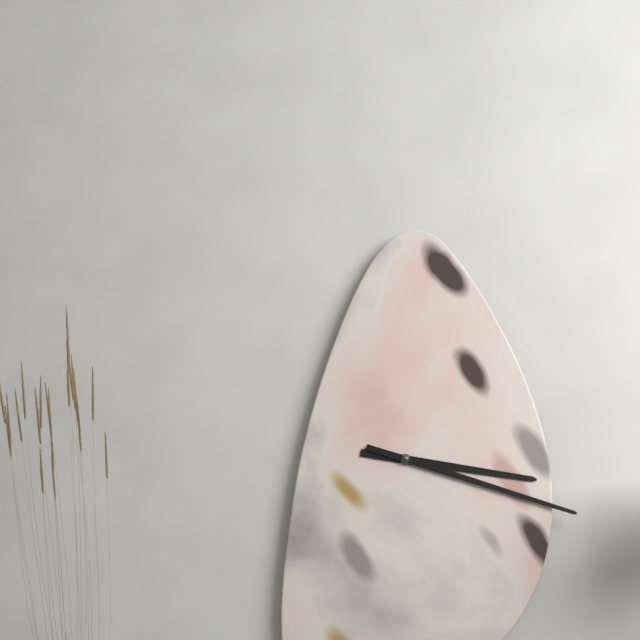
3:18
